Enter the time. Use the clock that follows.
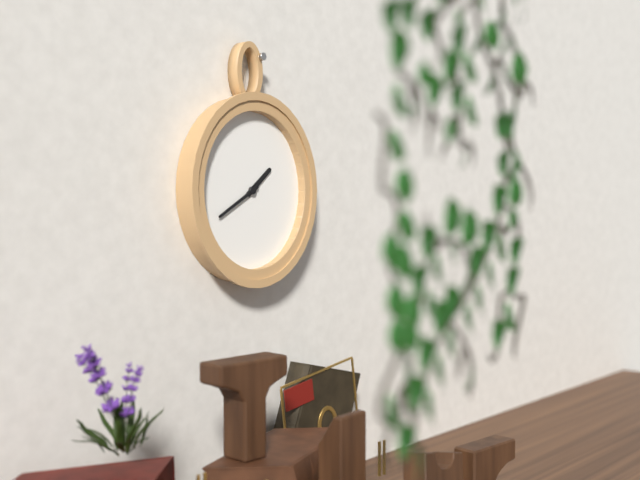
1:40
